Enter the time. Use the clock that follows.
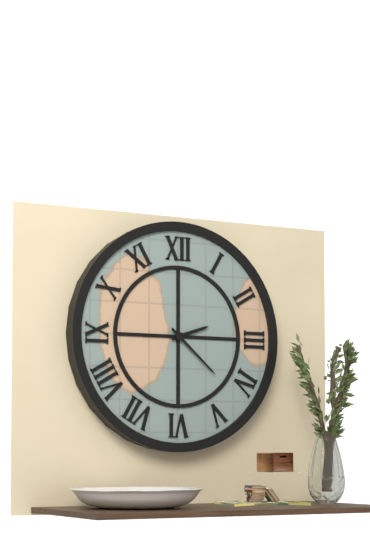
2:22
